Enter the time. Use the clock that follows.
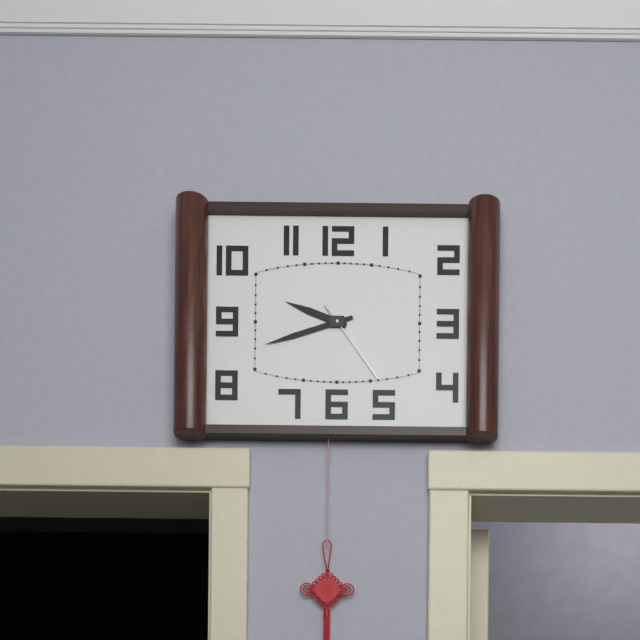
9:42:24
